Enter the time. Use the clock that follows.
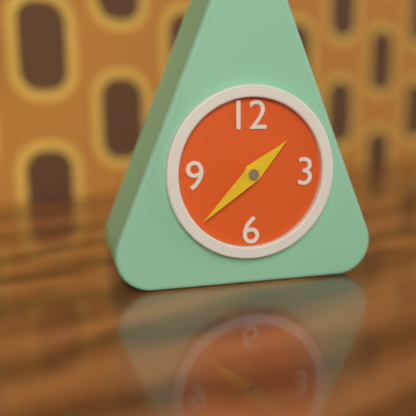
1:38
